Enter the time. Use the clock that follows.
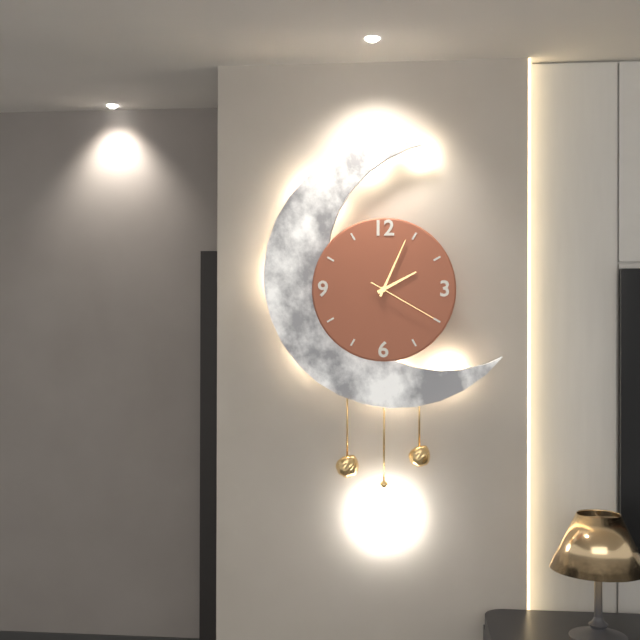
2:04:20
